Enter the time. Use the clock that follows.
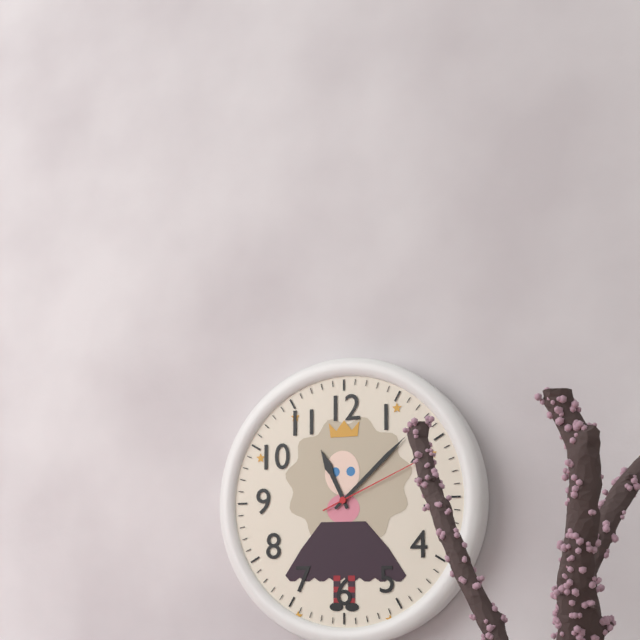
11:08:11
